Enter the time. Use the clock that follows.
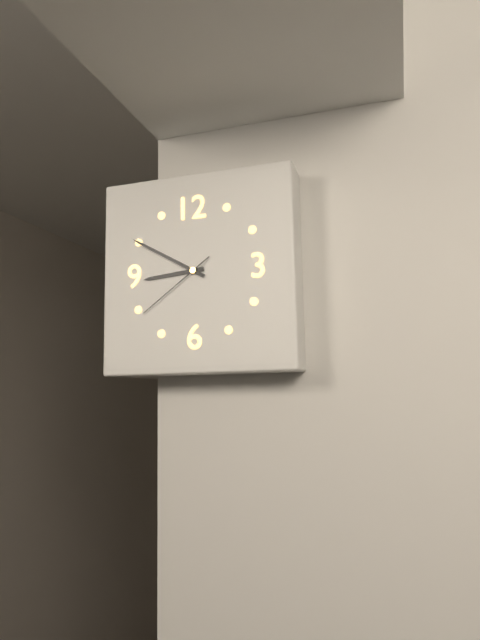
8:50:39
